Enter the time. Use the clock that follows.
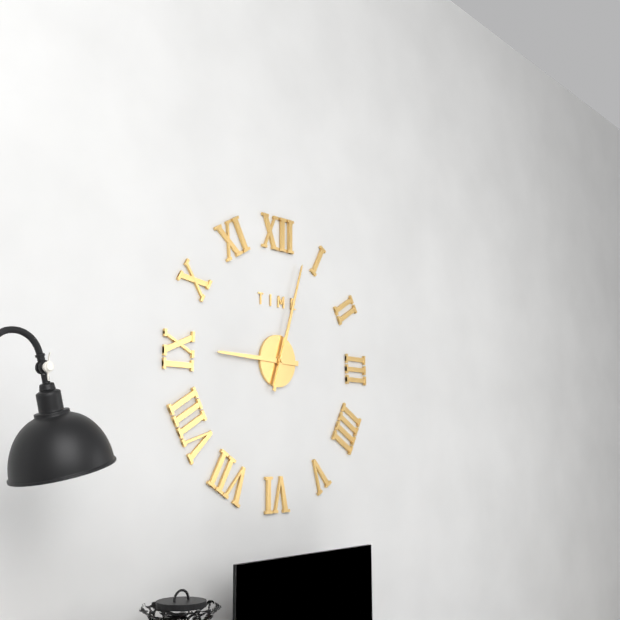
9:03
